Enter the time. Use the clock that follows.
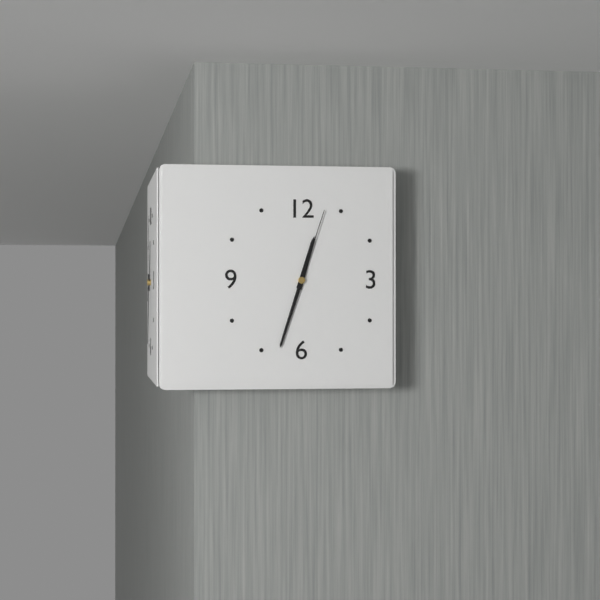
12:33:03
